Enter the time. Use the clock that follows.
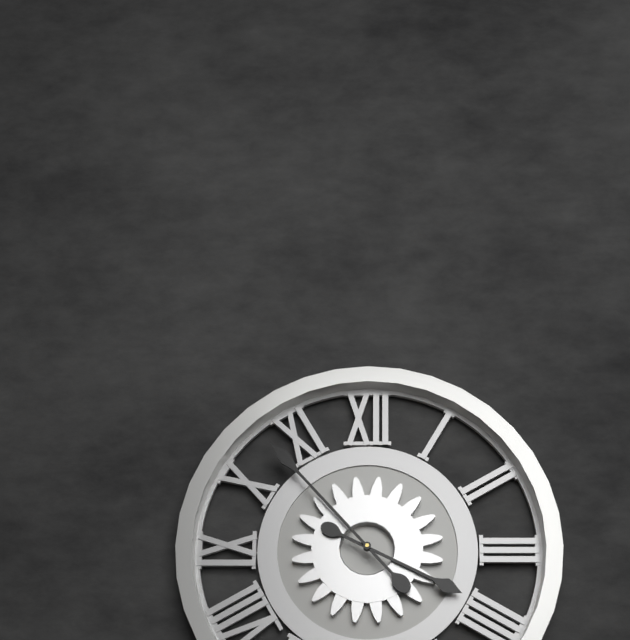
3:53
